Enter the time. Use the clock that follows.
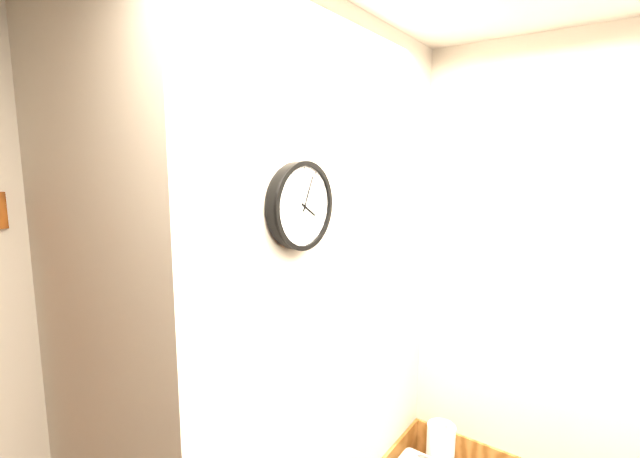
4:04
